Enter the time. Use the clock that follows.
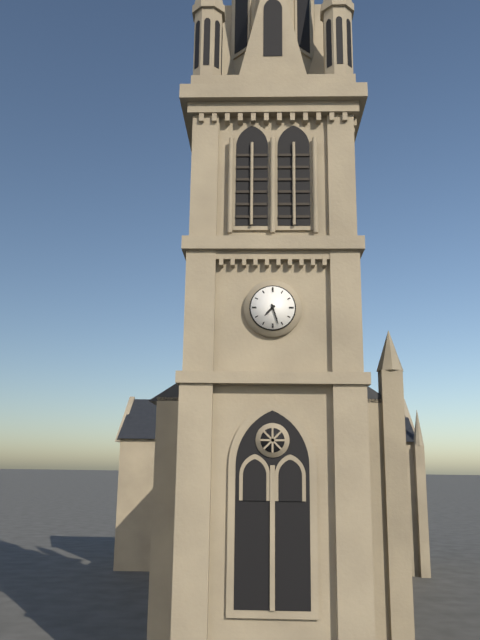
7:27
